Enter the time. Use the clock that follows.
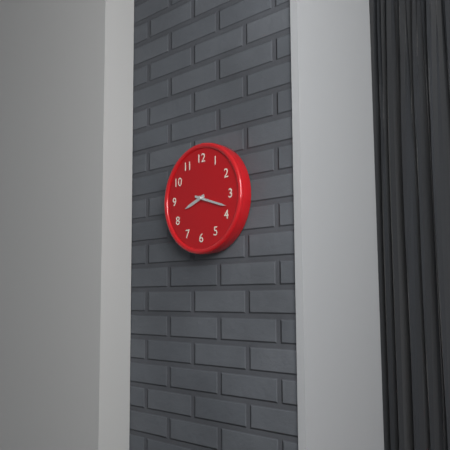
8:18
